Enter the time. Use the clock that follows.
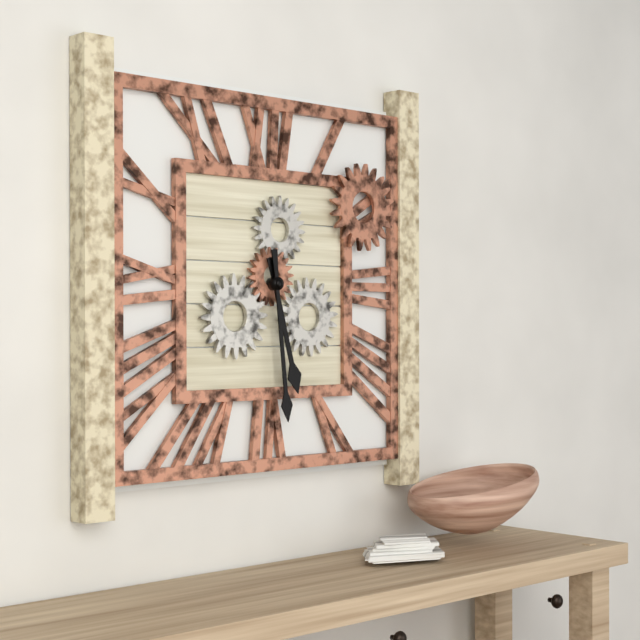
5:29
